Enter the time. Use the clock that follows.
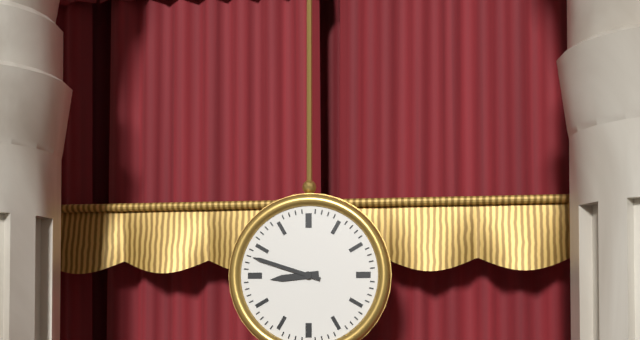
8:48
